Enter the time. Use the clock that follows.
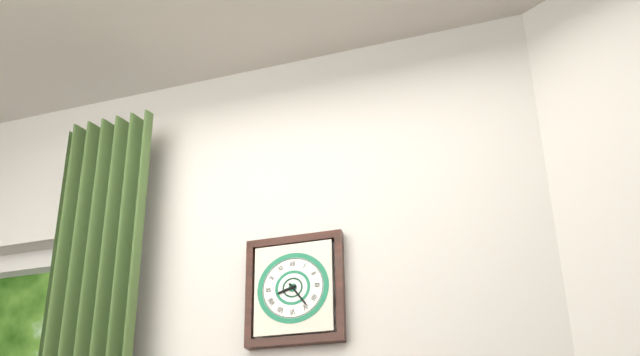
8:24
